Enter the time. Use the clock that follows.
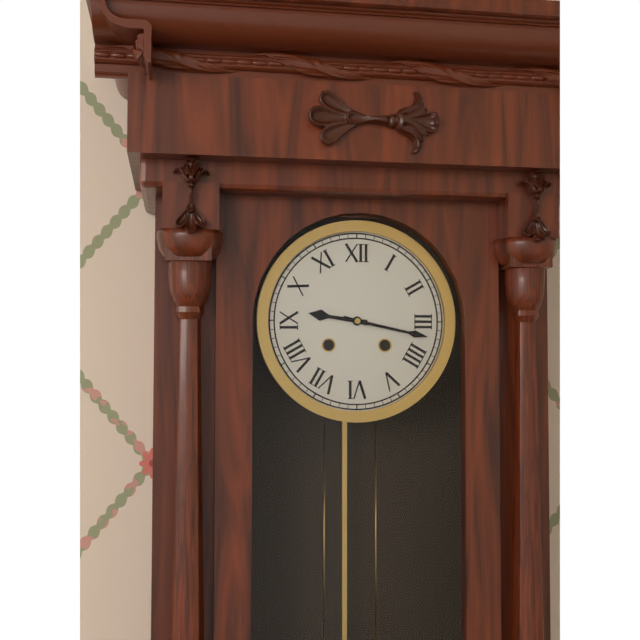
9:17
